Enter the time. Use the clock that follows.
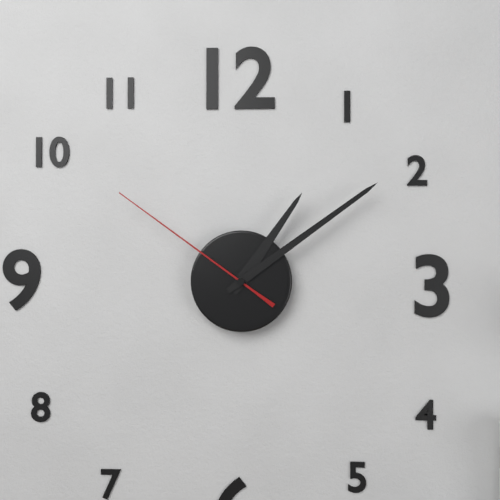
1:09:51
